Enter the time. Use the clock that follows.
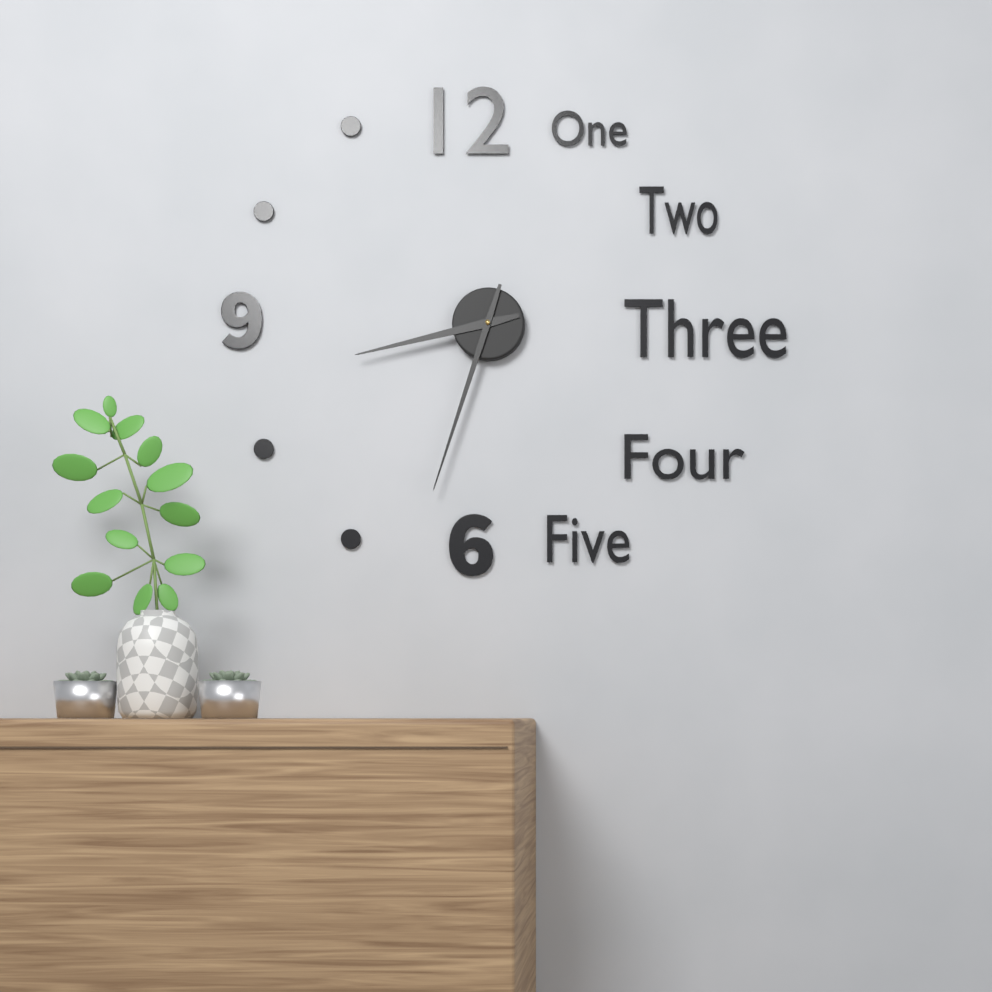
8:33
